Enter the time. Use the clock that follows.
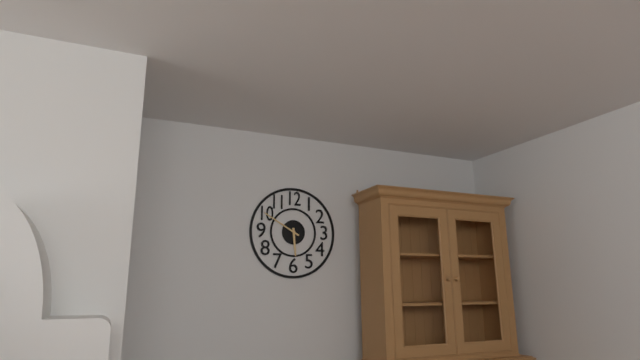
5:50
